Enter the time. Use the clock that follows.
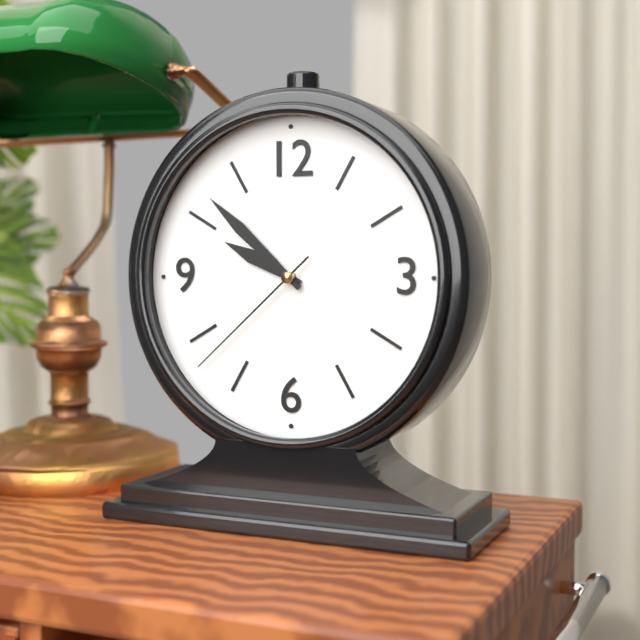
9:52:38
